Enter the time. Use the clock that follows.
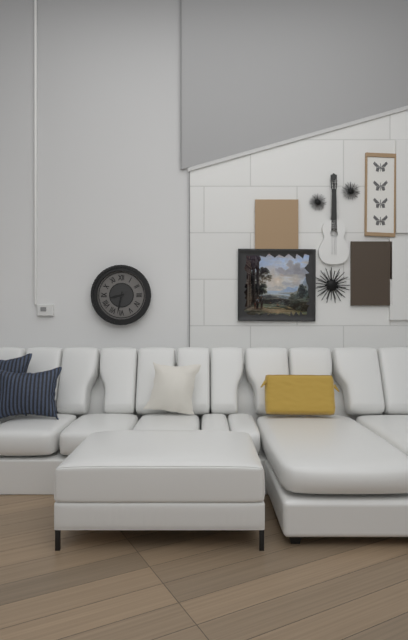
8:32
